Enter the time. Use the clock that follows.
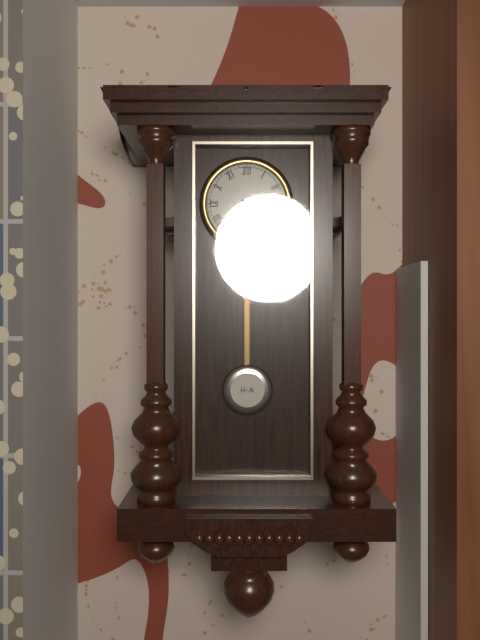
4:15
